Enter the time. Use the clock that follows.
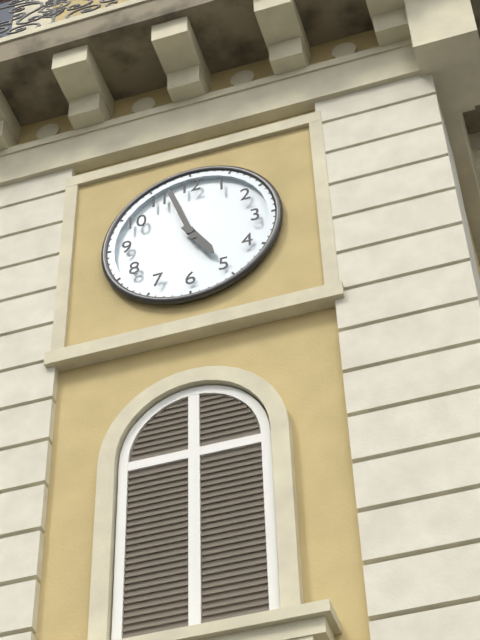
4:57
